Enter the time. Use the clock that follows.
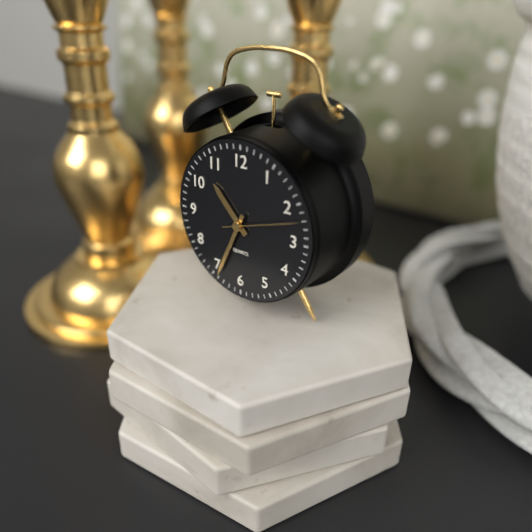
10:34:12
